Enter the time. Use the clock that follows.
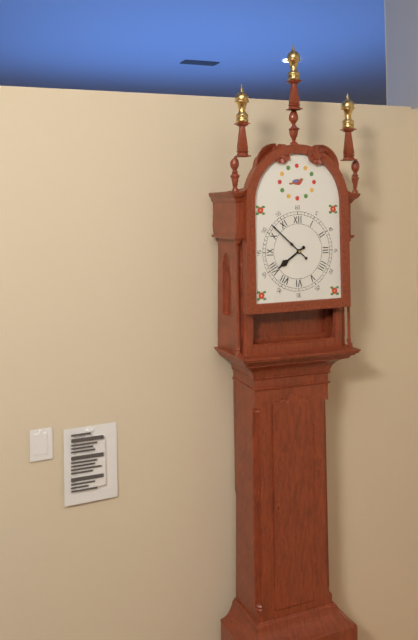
7:52
